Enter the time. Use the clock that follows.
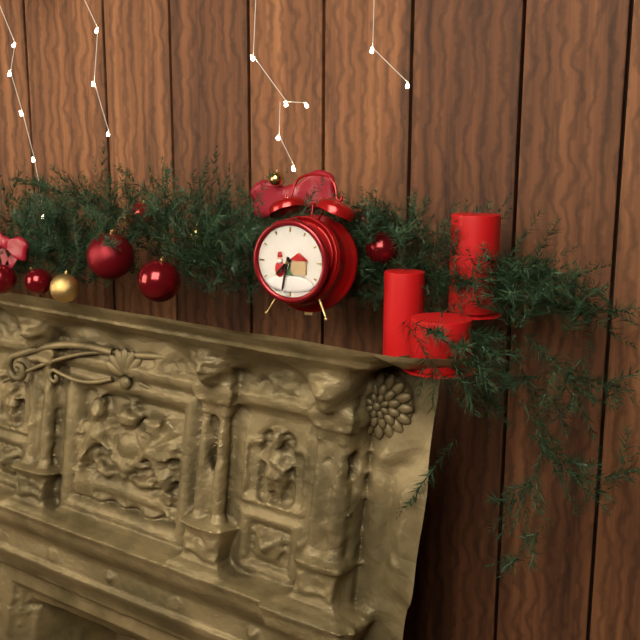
7:32
